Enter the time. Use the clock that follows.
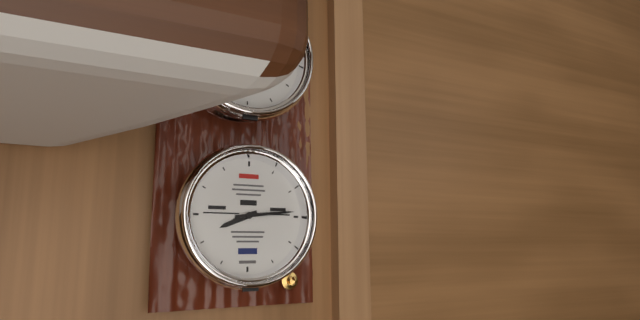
8:14
